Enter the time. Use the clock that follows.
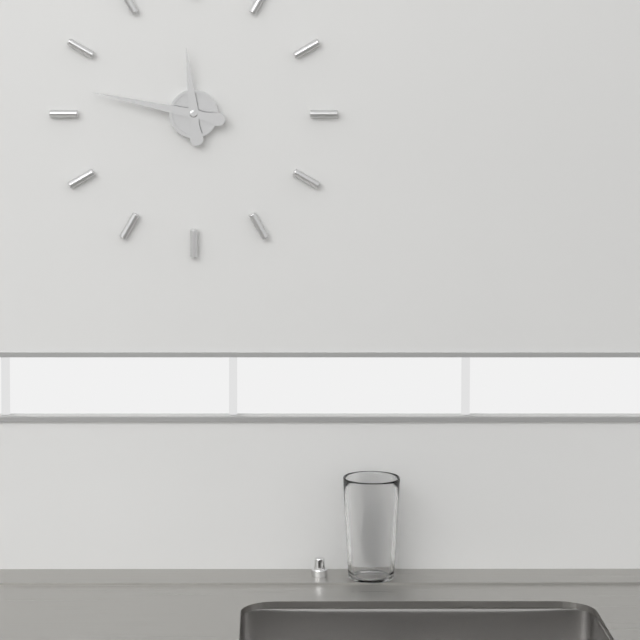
11:47
